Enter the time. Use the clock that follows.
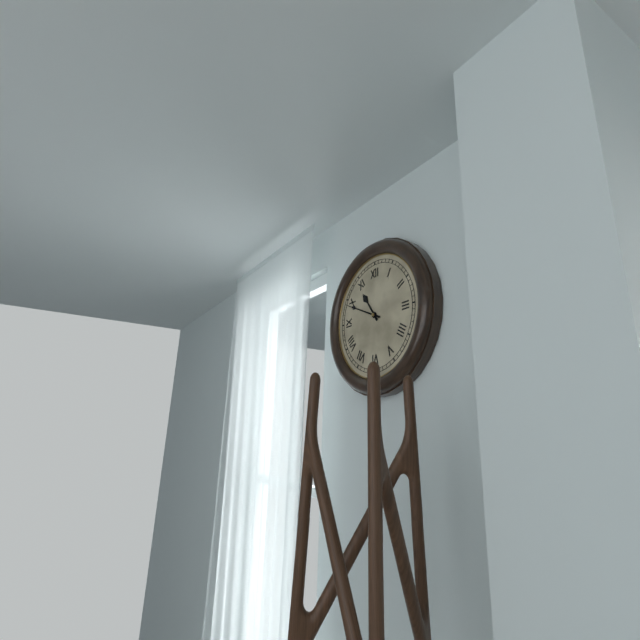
10:49
